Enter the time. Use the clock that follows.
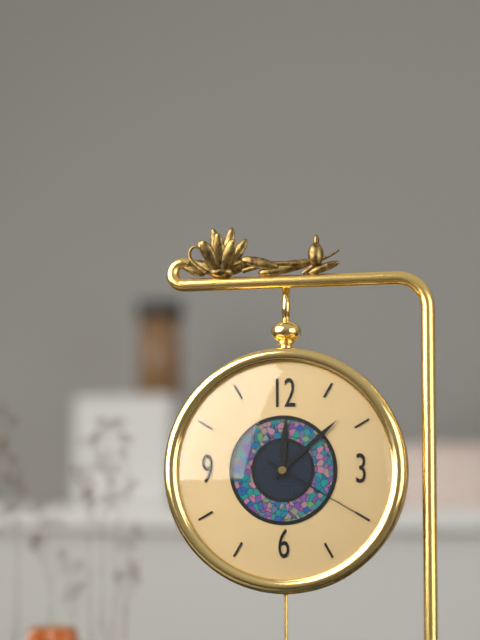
12:08:20
